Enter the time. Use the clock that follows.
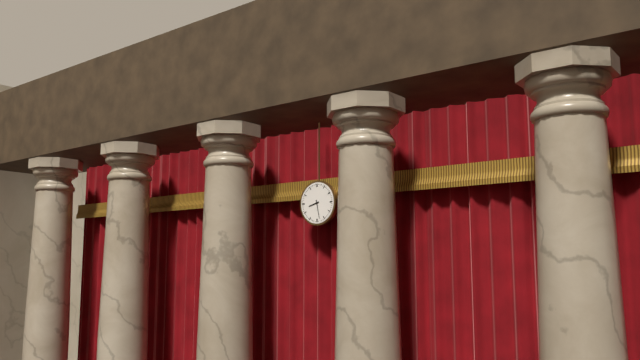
8:28
